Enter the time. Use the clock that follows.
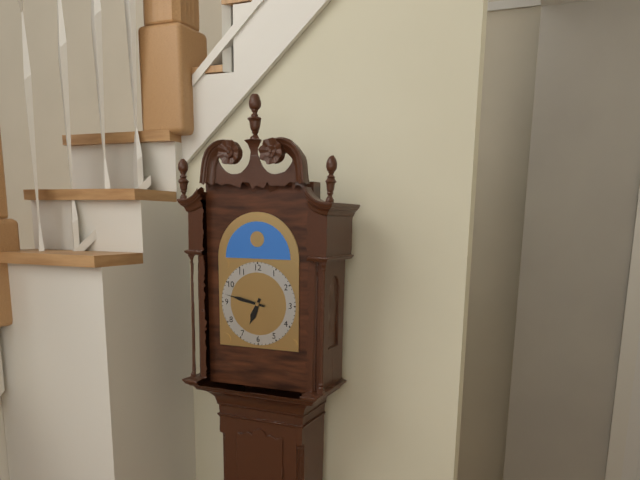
6:47
